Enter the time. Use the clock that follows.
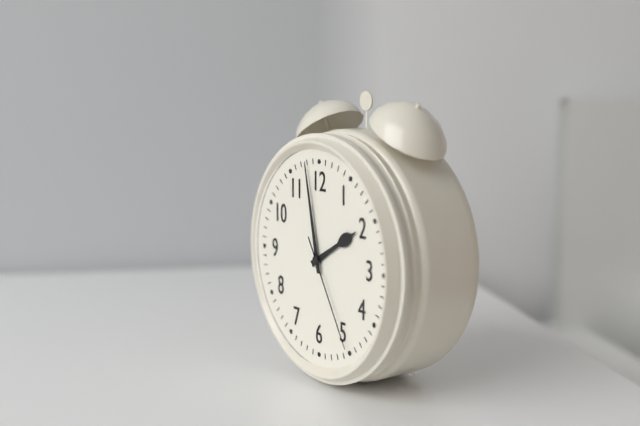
1:58:25
